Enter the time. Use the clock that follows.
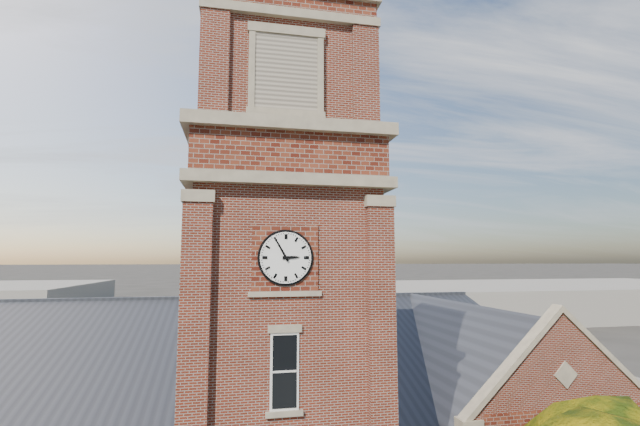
2:55
